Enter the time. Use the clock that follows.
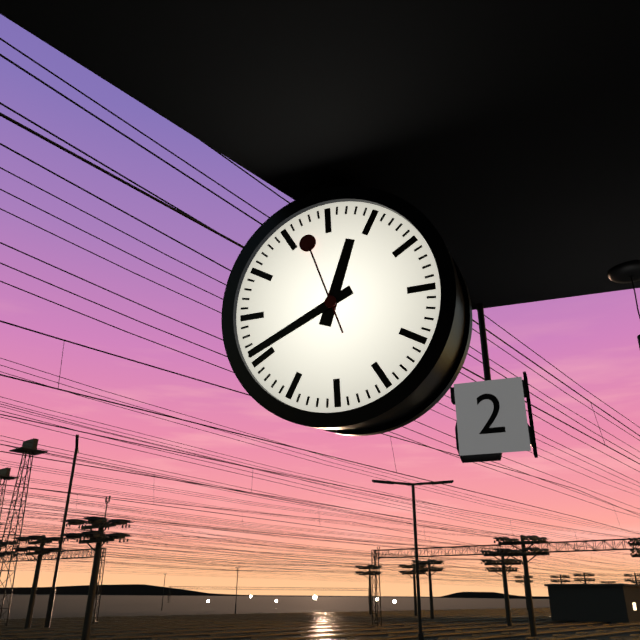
12:41:57
